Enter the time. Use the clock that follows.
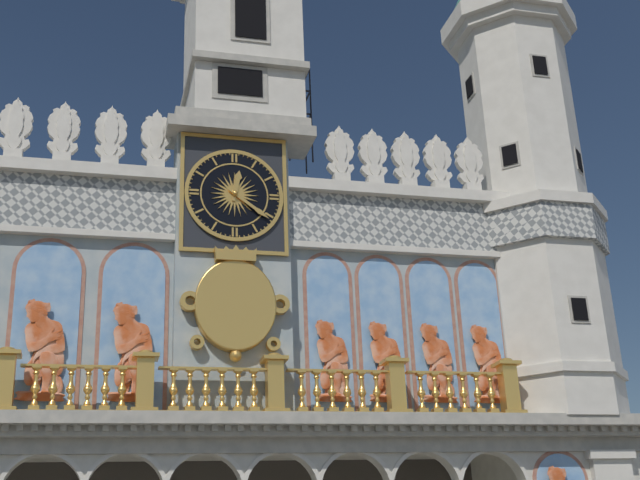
12:21
